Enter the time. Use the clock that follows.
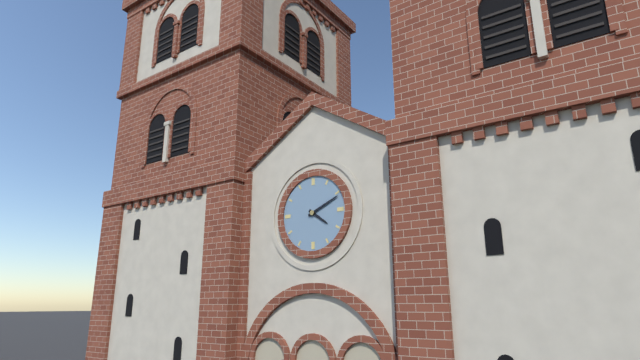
4:11
